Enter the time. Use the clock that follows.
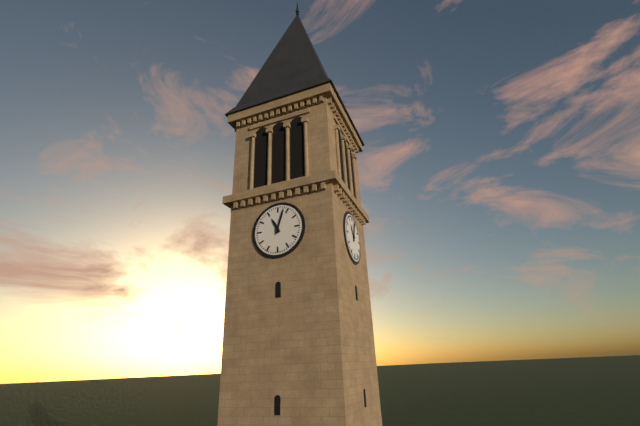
11:03
